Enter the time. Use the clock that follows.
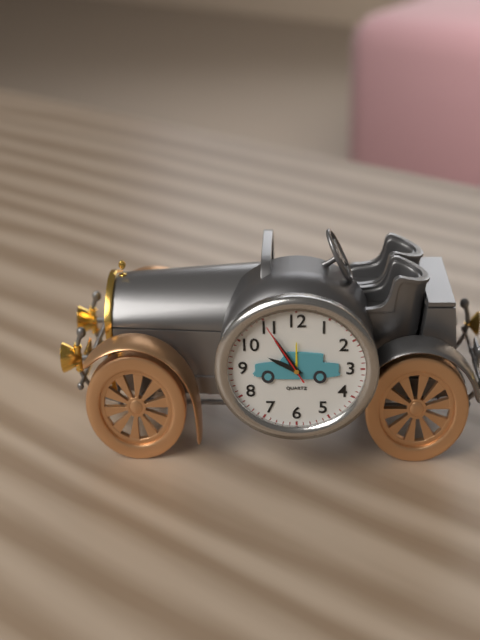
9:55:55
